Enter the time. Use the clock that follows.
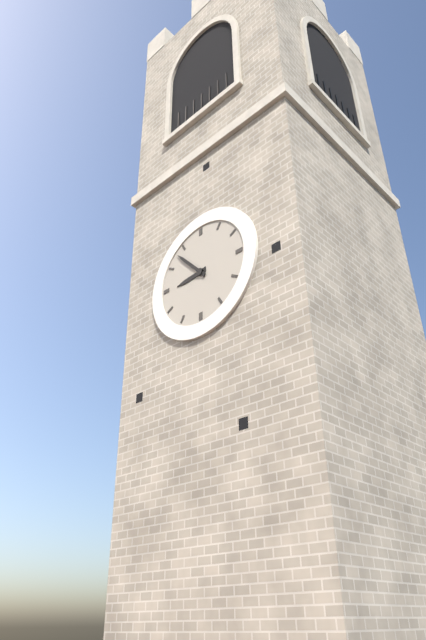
8:53
